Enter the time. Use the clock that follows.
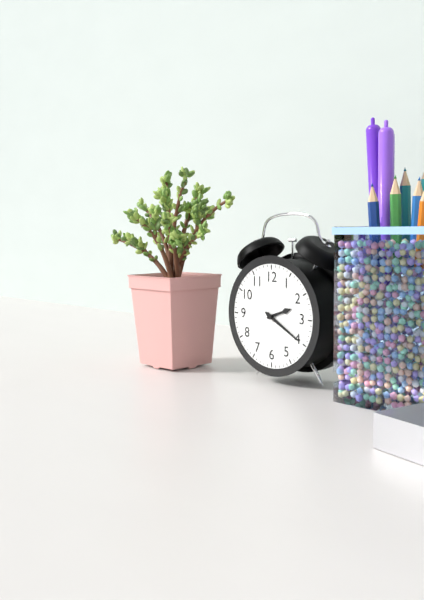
2:20
